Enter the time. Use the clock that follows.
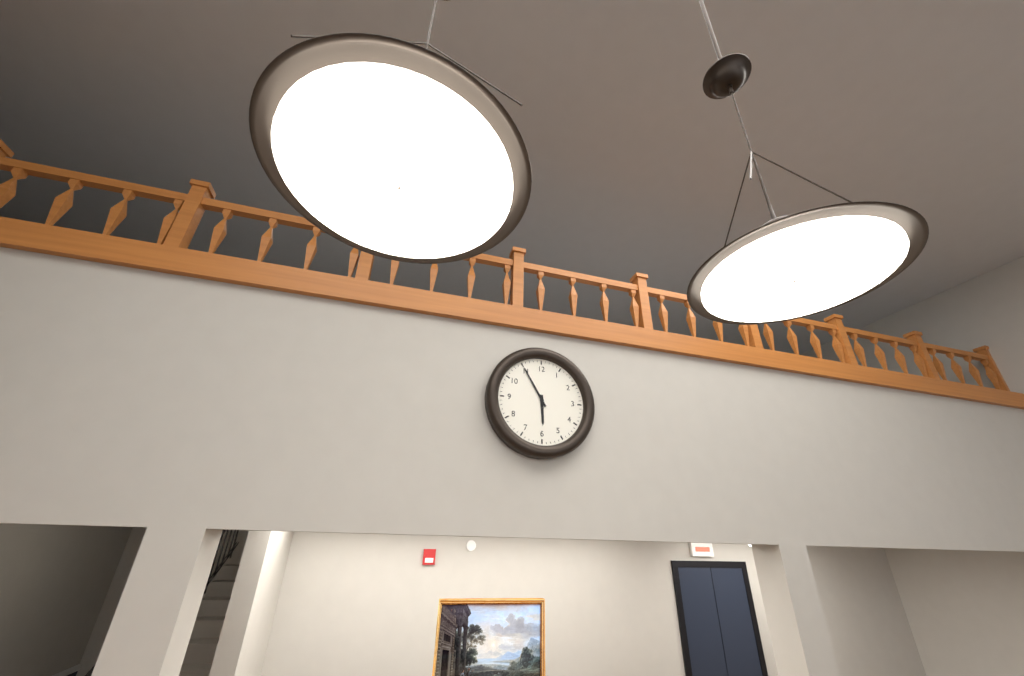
5:55
